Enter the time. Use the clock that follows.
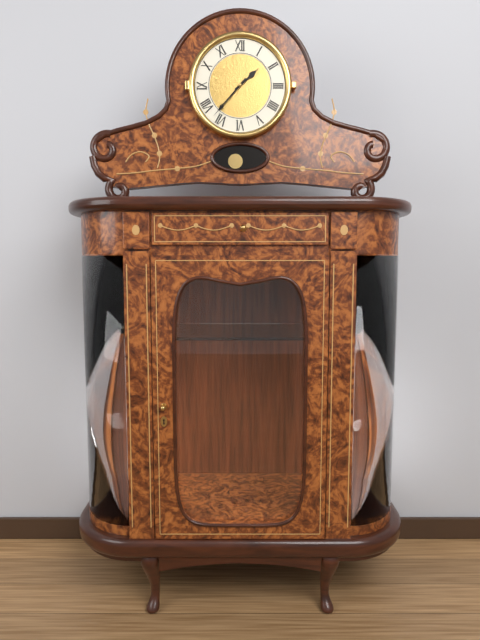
1:37
